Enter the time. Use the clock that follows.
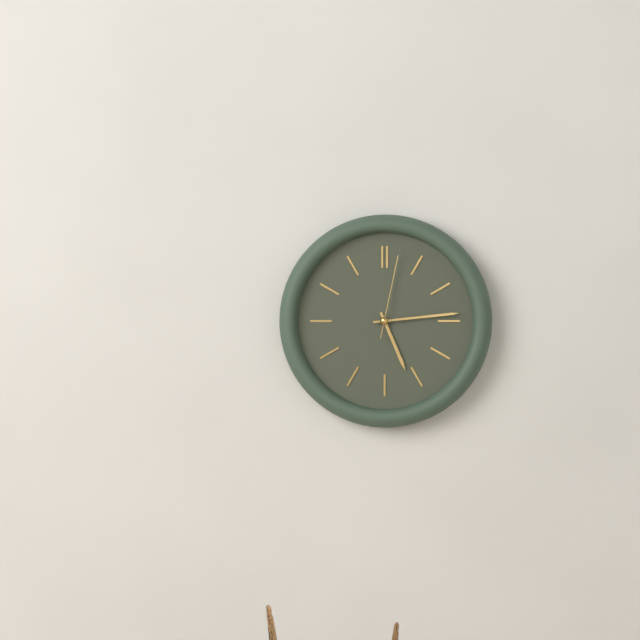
5:14:02
